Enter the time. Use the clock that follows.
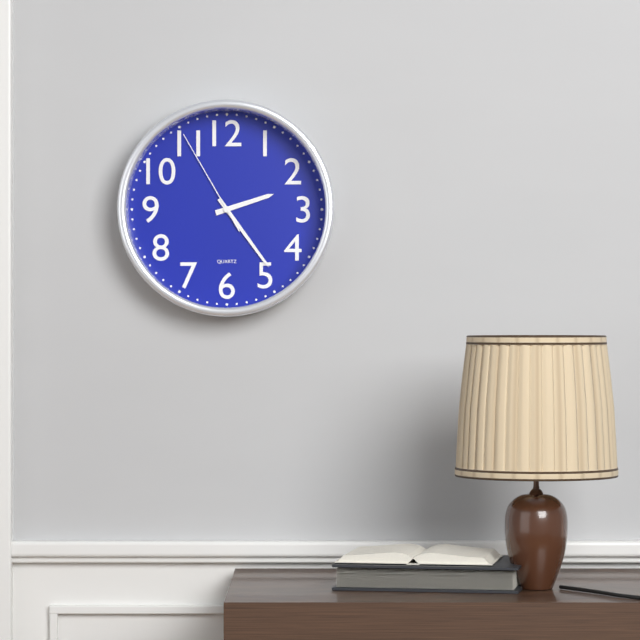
2:24:55
